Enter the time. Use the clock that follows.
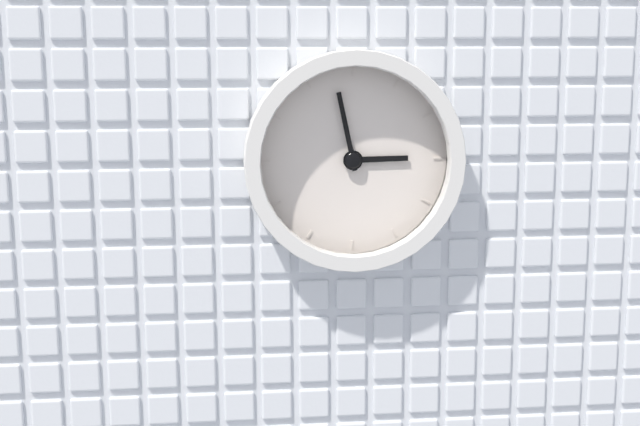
2:58
